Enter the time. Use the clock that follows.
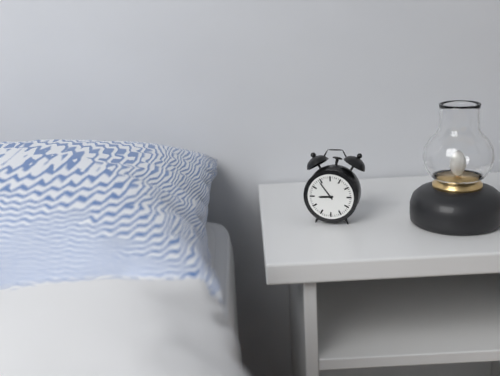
8:54
